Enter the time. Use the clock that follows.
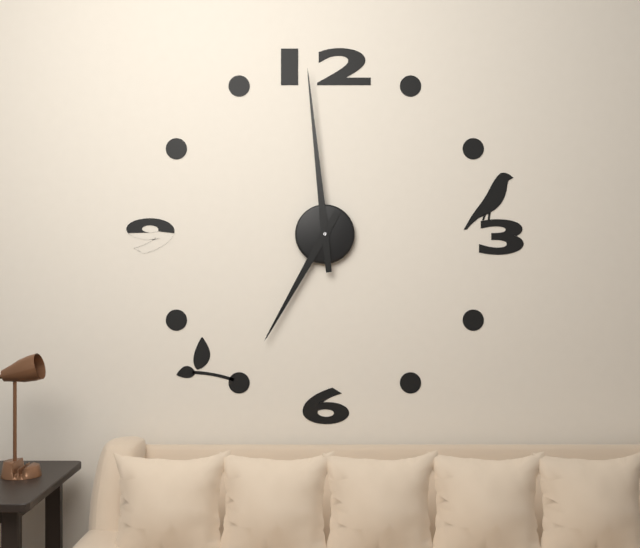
6:59
